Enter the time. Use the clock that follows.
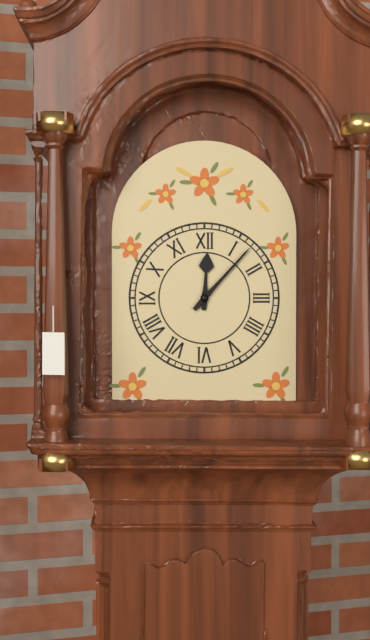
12:07
